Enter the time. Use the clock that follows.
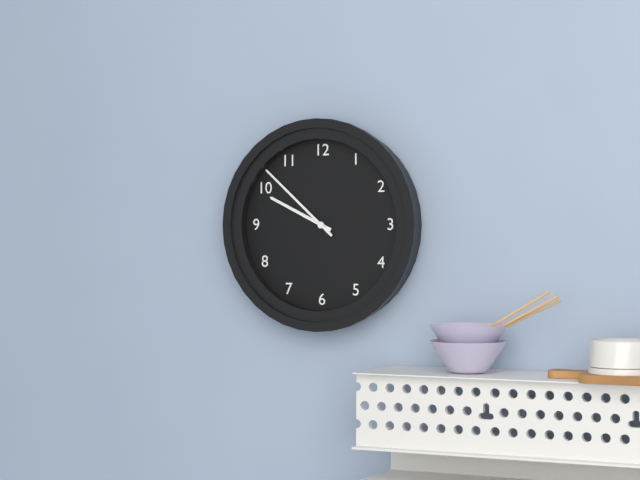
9:52
